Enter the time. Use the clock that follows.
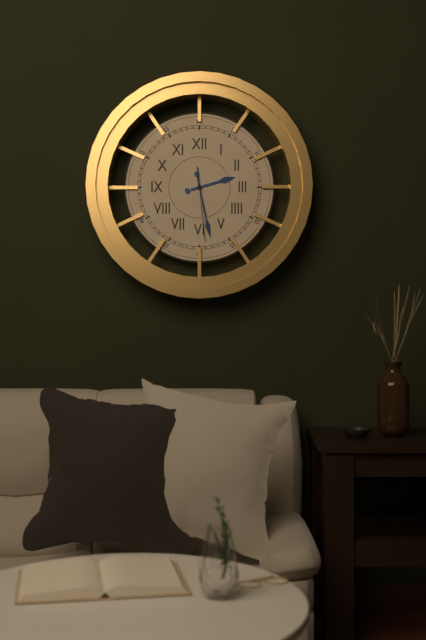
2:28:29
